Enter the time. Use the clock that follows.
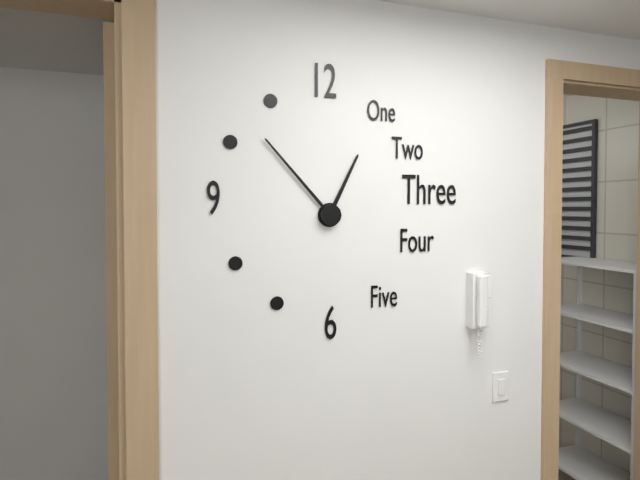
12:53
